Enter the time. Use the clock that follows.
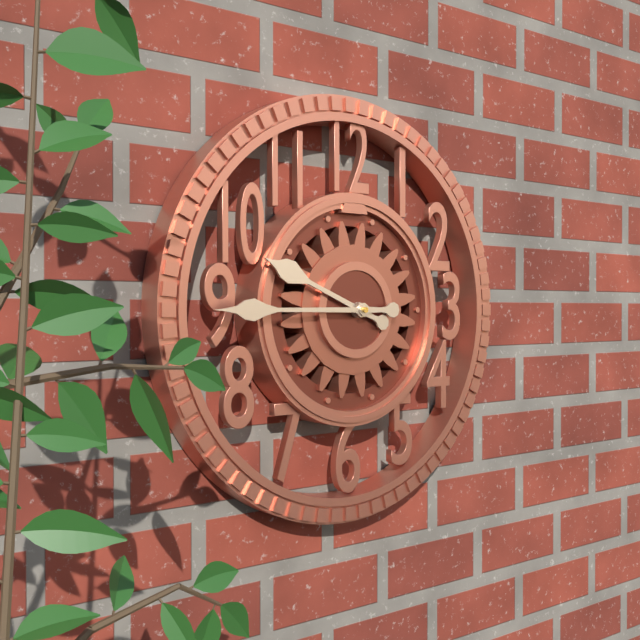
9:45
